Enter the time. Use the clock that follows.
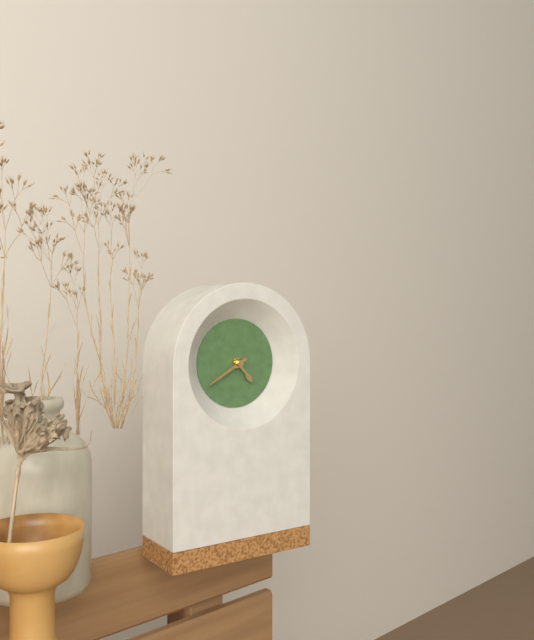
4:40
